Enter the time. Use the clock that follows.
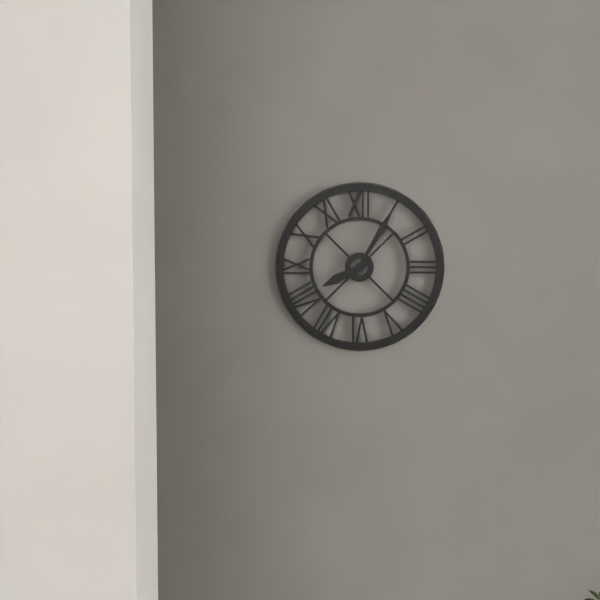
8:05
